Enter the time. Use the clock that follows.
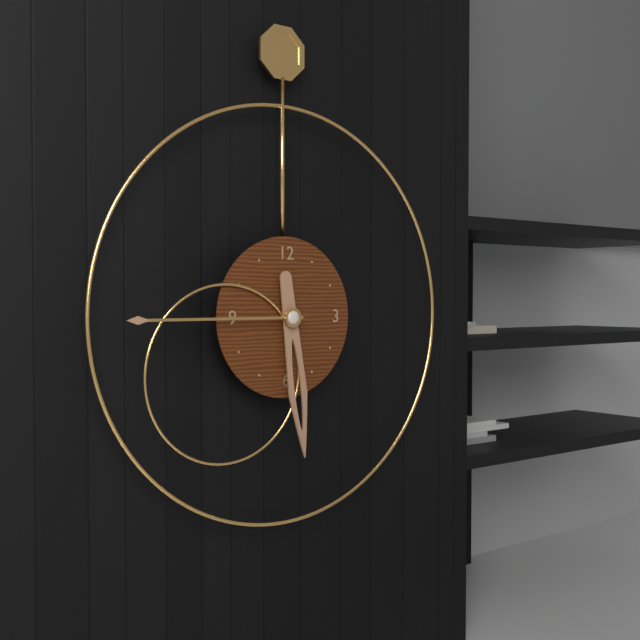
5:45
